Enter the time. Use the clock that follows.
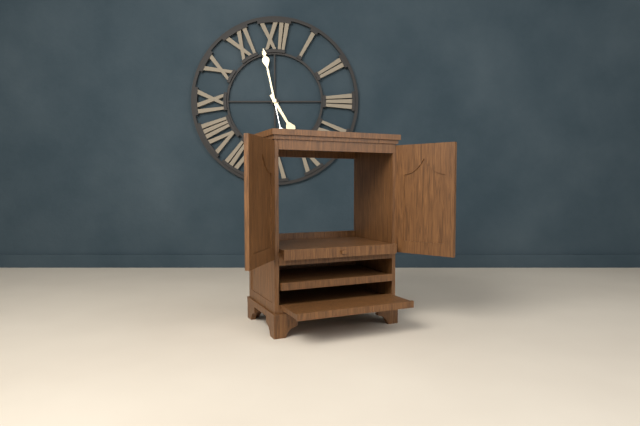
4:58
